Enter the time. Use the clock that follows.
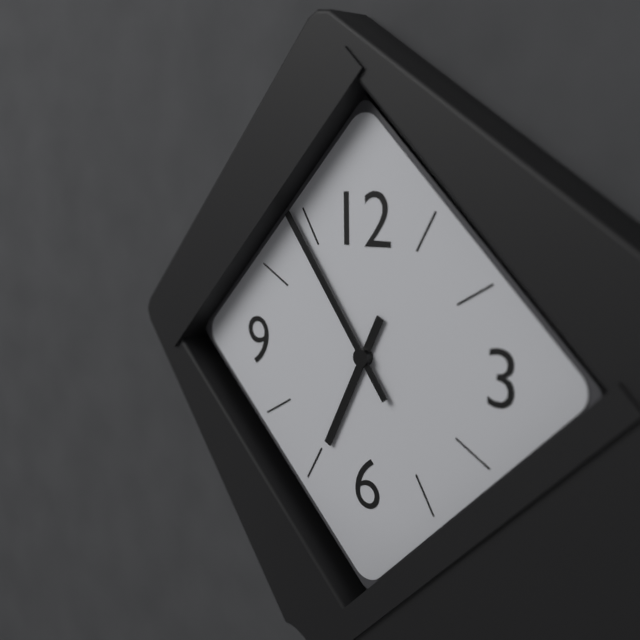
6:54
